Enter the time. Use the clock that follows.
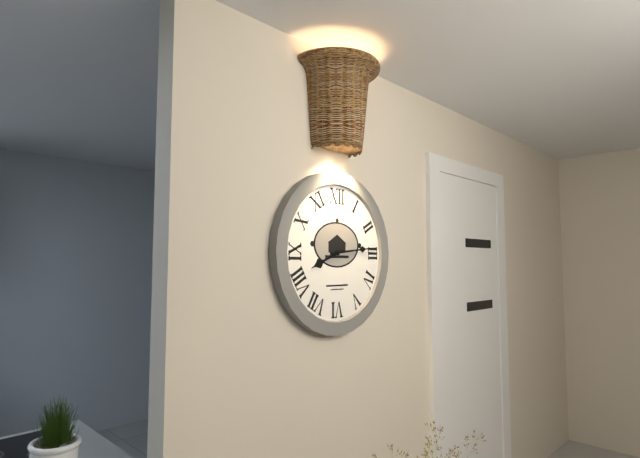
8:14
